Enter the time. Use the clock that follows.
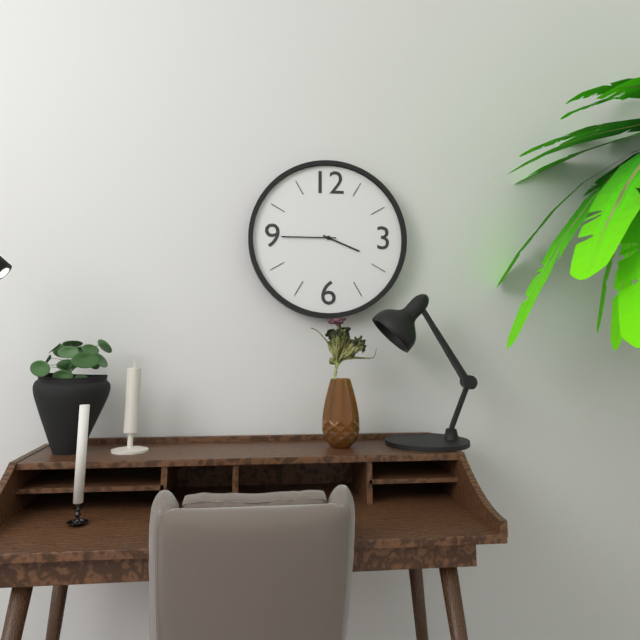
3:45
